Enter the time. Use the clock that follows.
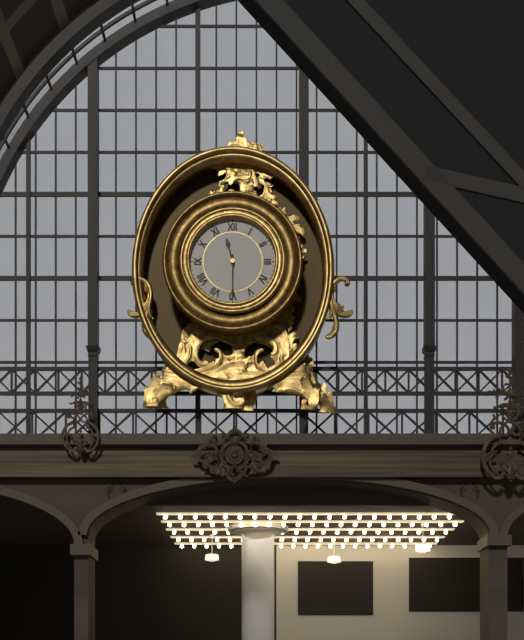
11:30
